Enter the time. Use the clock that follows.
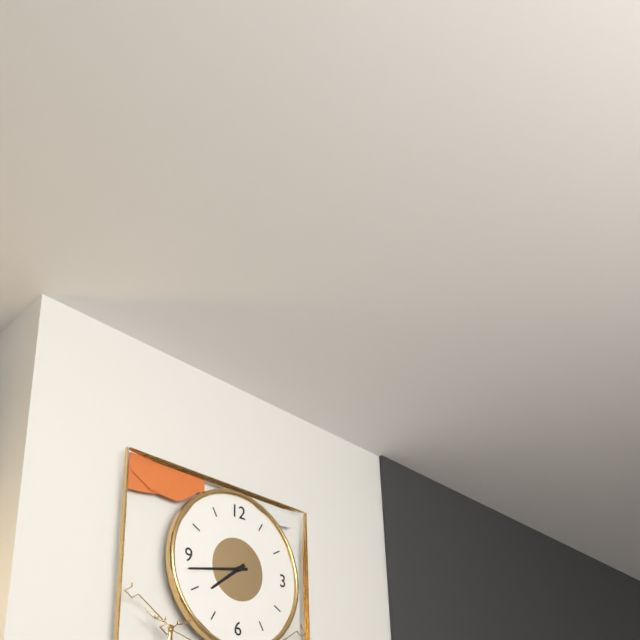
7:43
